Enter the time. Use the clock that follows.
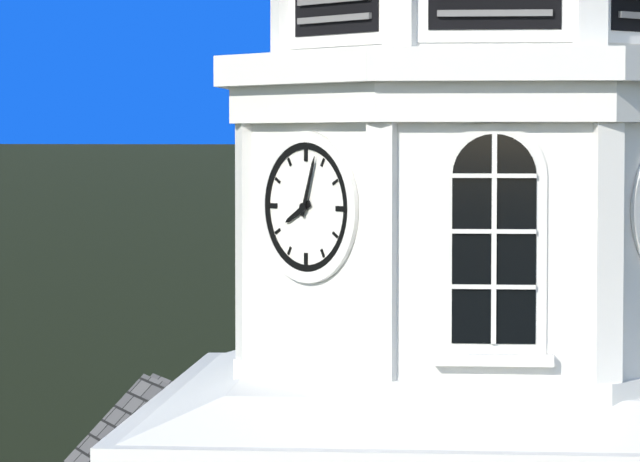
8:03
